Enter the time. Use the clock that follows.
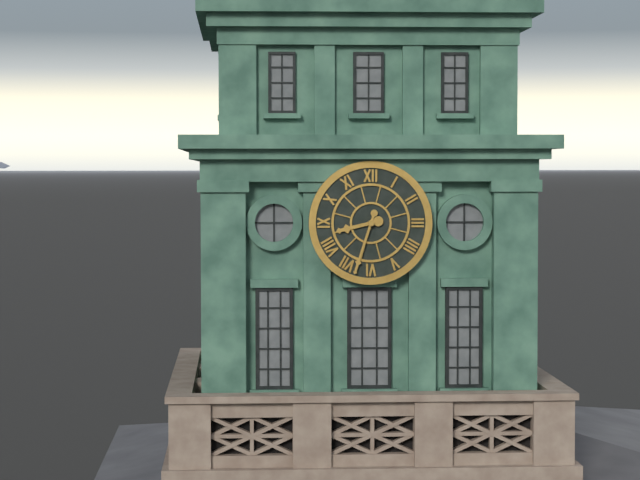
8:33
